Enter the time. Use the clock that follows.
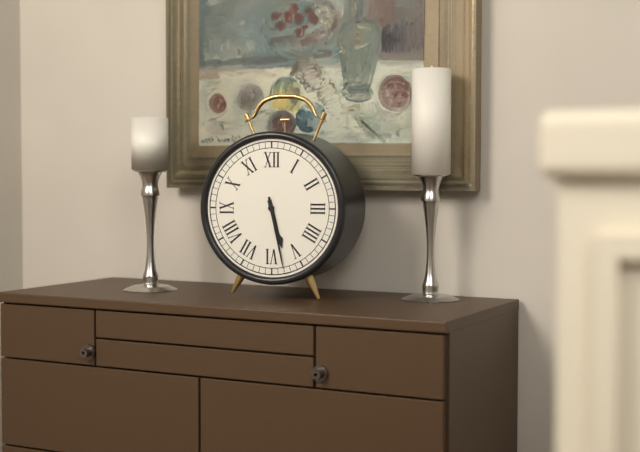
5:28
